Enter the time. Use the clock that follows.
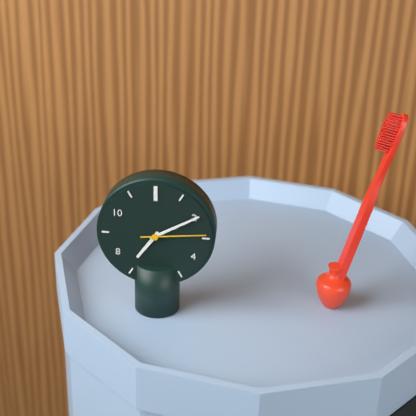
7:10:14
